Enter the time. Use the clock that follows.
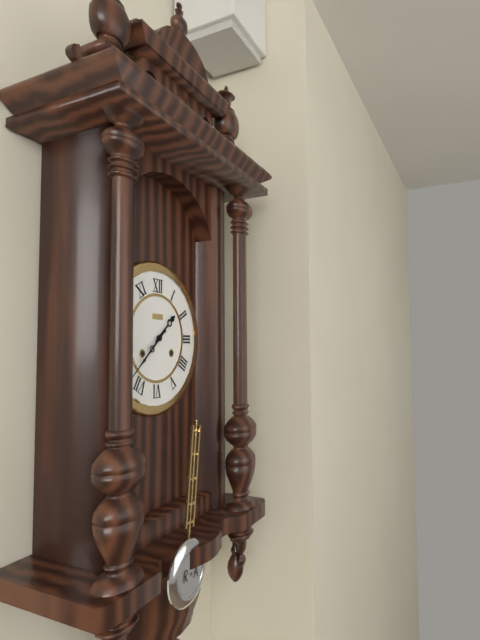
1:38
